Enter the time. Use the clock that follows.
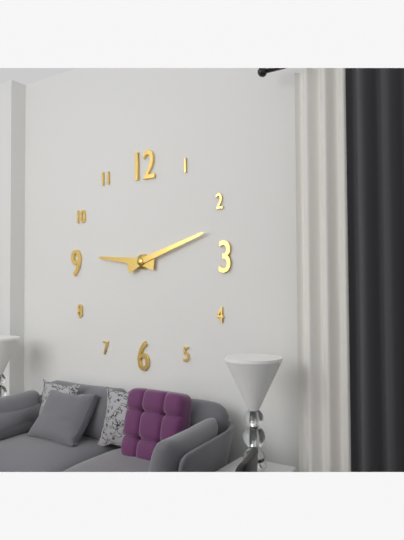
9:12
